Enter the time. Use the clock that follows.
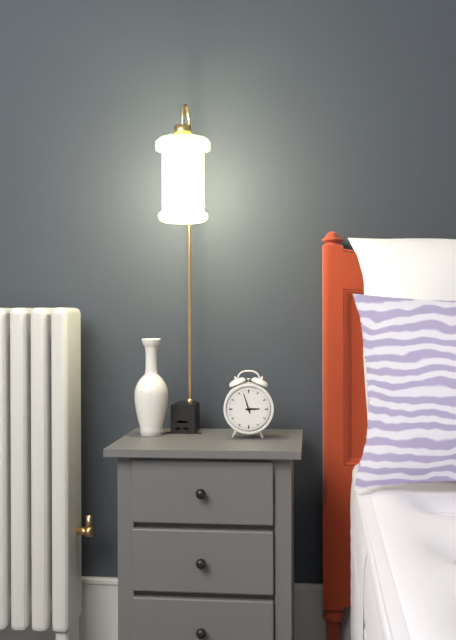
2:57
